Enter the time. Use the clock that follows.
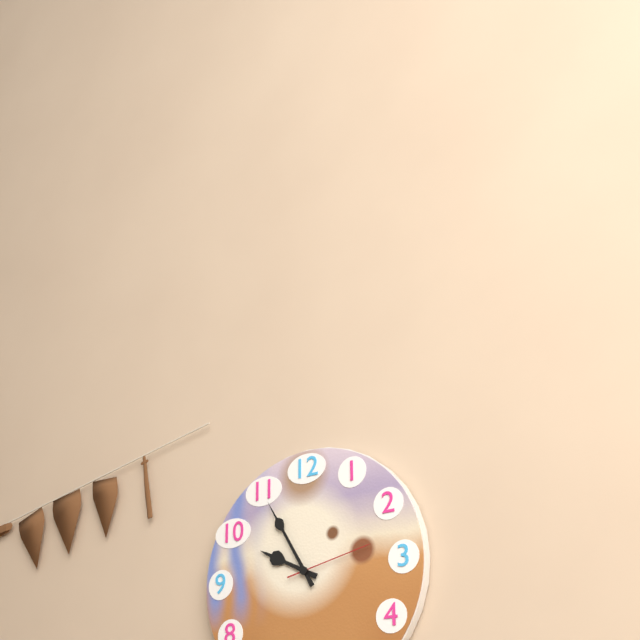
9:55:13
